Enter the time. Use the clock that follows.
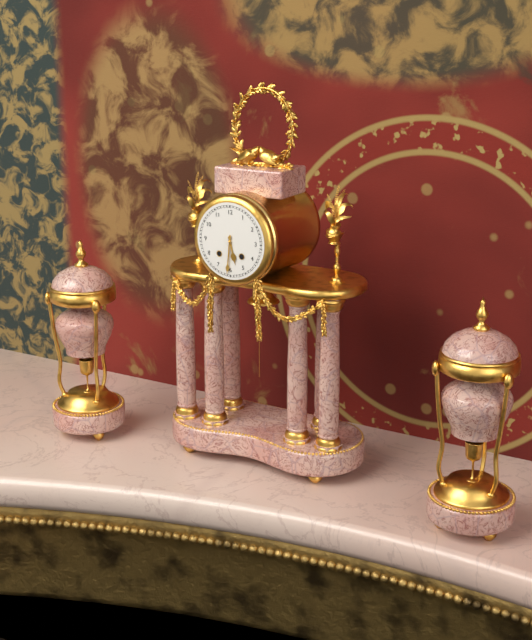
5:31
